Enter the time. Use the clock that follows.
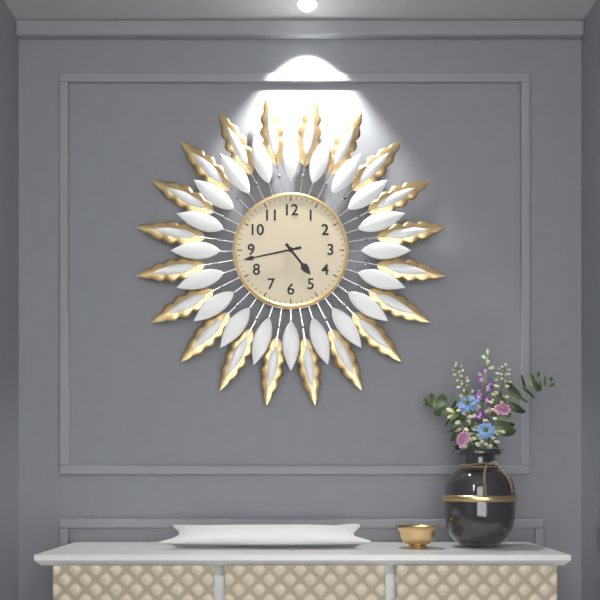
4:43
